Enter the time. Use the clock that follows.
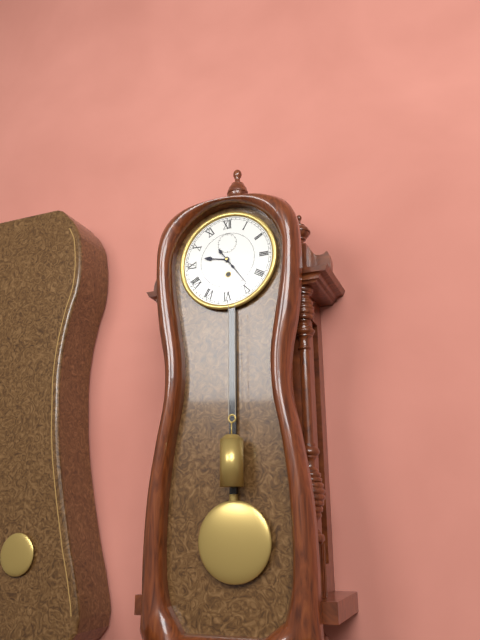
9:24
